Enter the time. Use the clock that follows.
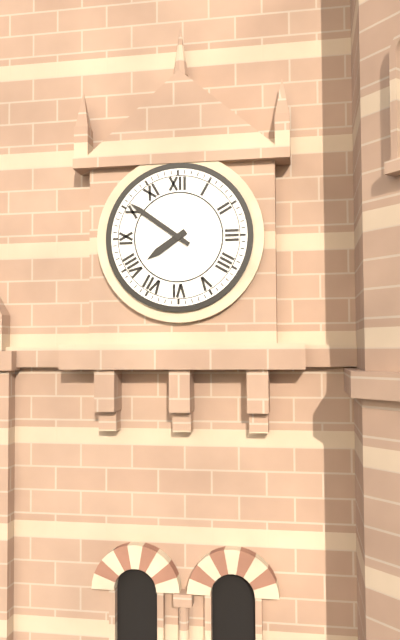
7:51
